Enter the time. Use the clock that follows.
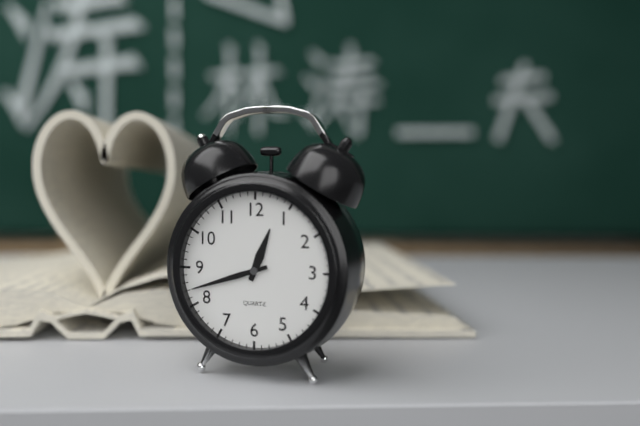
12:42
